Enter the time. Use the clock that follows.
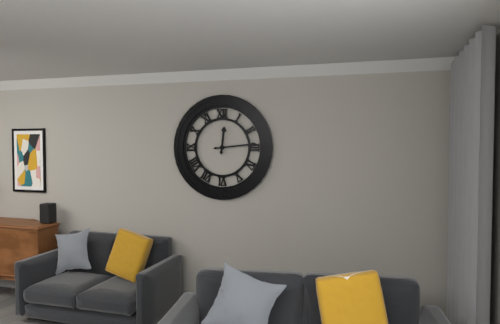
12:14
